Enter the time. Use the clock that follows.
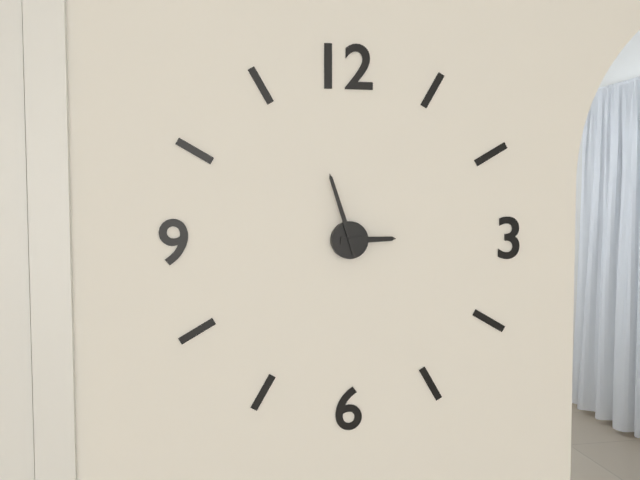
2:57
